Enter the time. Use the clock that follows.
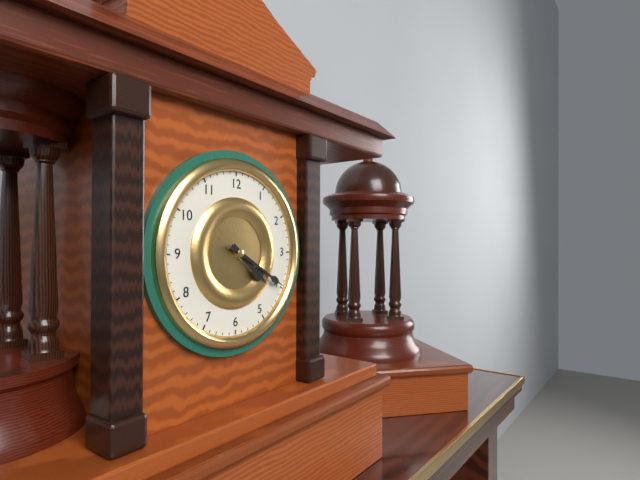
4:20
